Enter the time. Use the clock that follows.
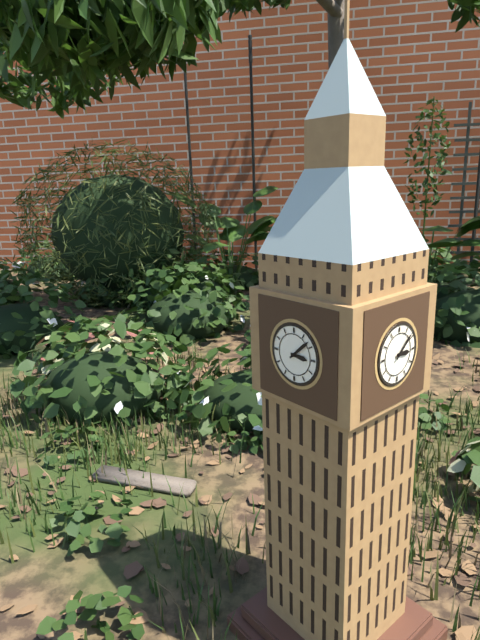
3:08
